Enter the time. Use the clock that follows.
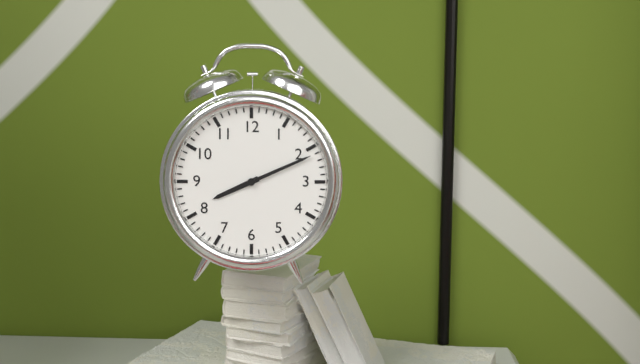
8:11
